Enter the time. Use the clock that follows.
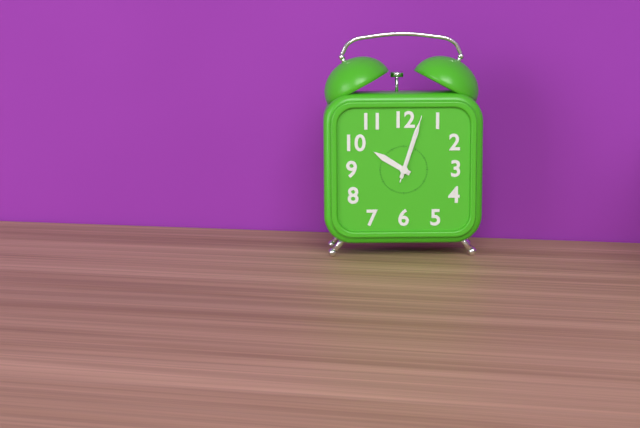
10:03:03
